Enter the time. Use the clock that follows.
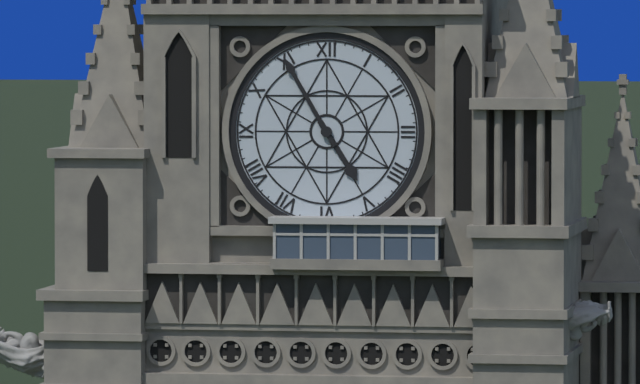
4:55
